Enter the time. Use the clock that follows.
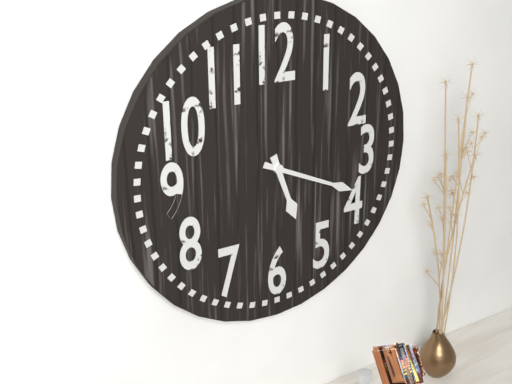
5:19
